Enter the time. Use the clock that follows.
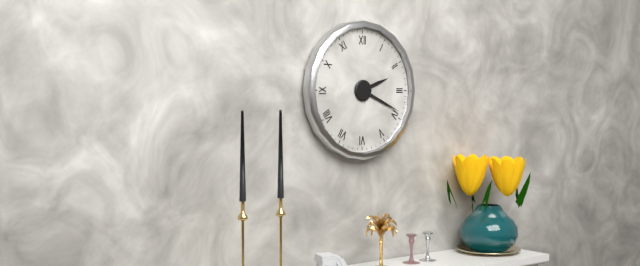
2:19
